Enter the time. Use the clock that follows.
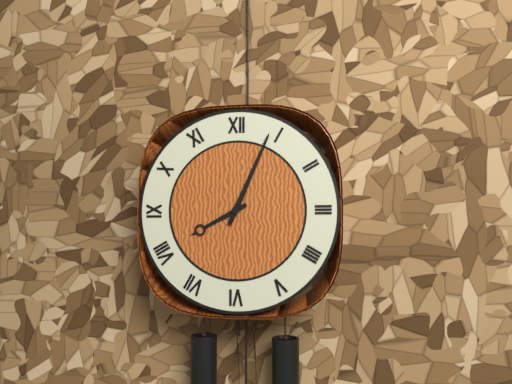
8:04
